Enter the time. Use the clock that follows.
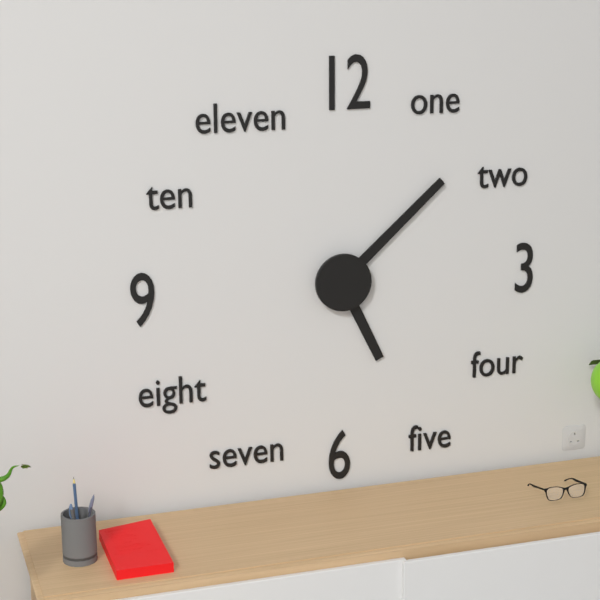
5:08
